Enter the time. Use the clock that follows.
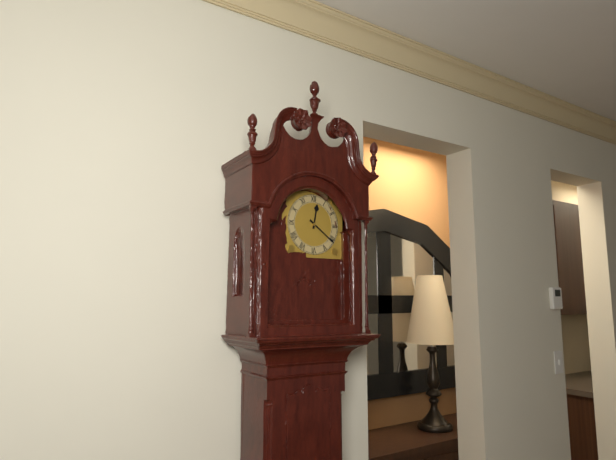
12:21
